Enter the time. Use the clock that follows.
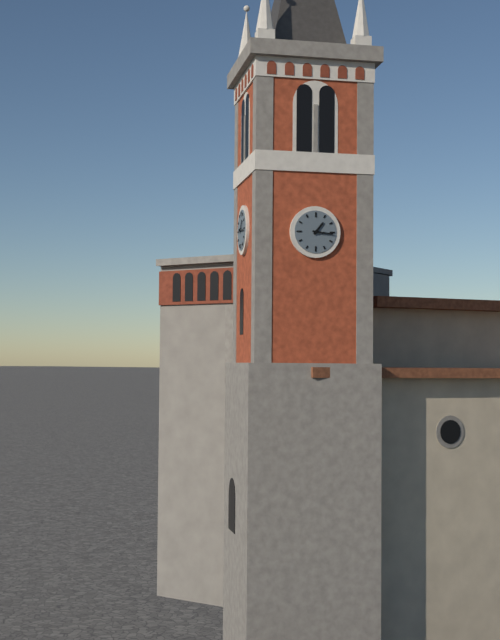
1:16
